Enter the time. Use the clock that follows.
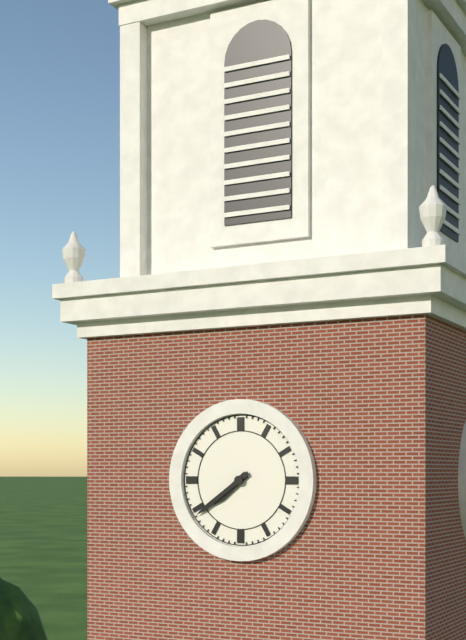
7:39
